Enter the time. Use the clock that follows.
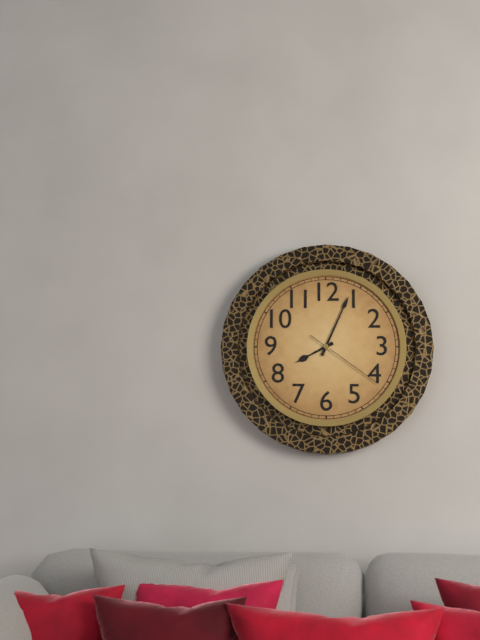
8:04:21
